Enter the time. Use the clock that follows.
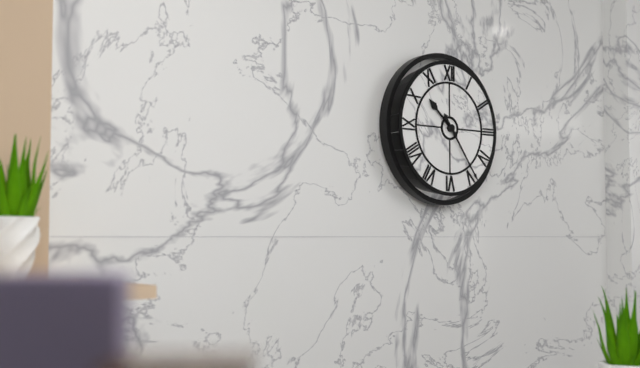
10:24
